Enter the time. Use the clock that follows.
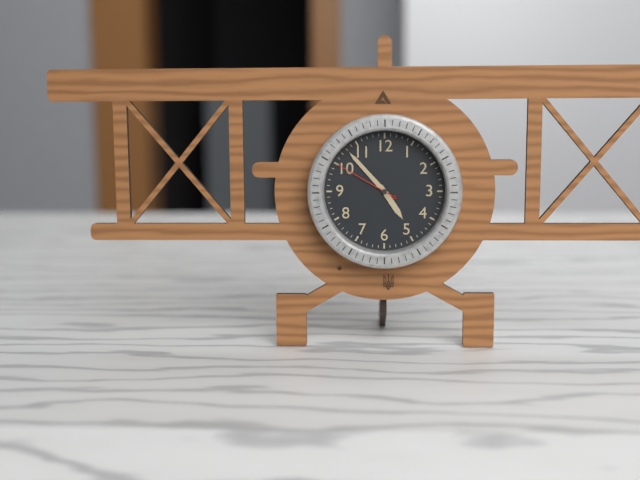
4:53:50
